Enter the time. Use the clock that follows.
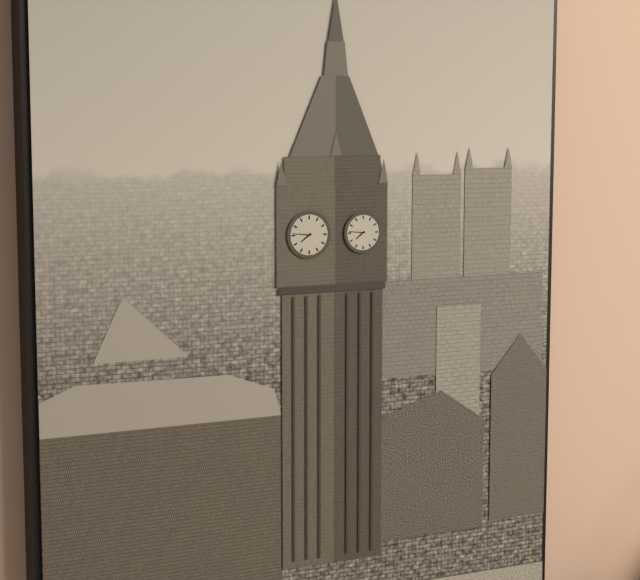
7:46
